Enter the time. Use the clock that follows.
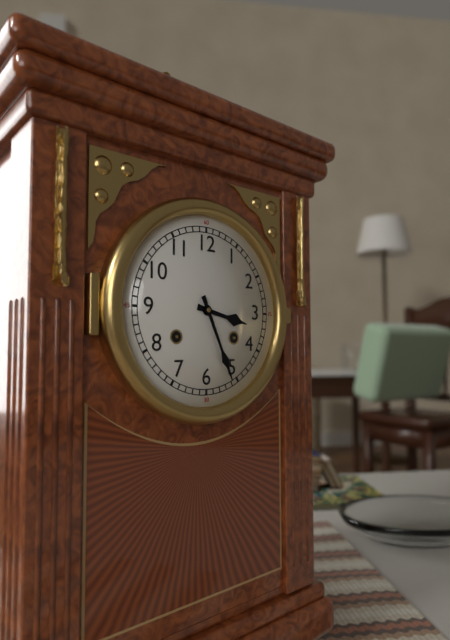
3:26
